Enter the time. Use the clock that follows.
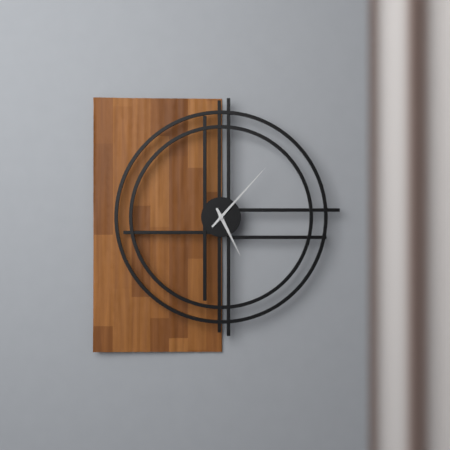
5:07
